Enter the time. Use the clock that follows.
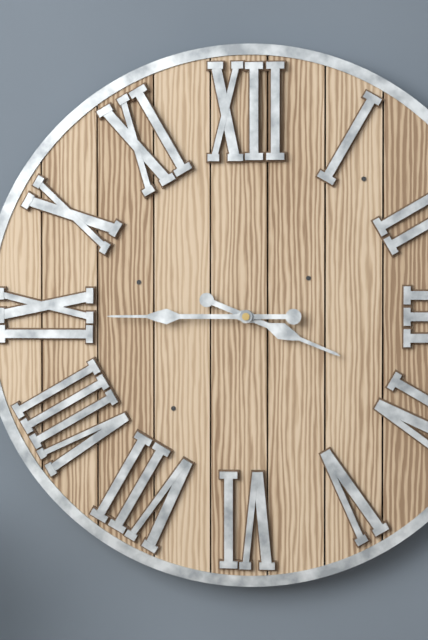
3:45
